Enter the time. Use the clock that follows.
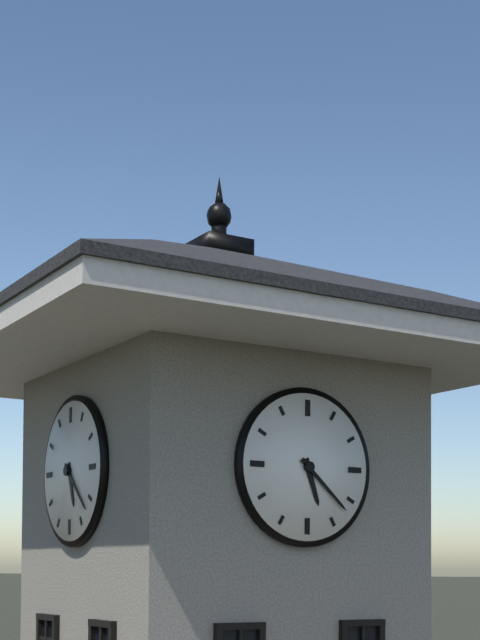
5:22
